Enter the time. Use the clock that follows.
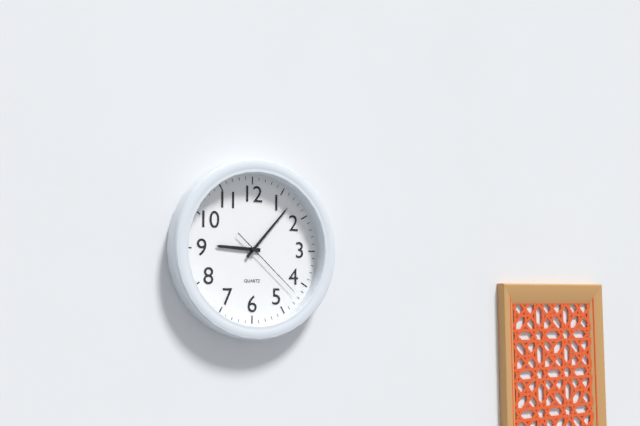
9:07:22
